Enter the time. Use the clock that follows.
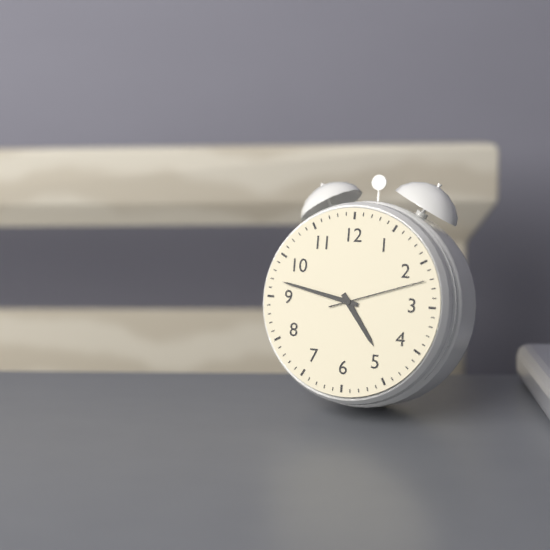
4:47:12
